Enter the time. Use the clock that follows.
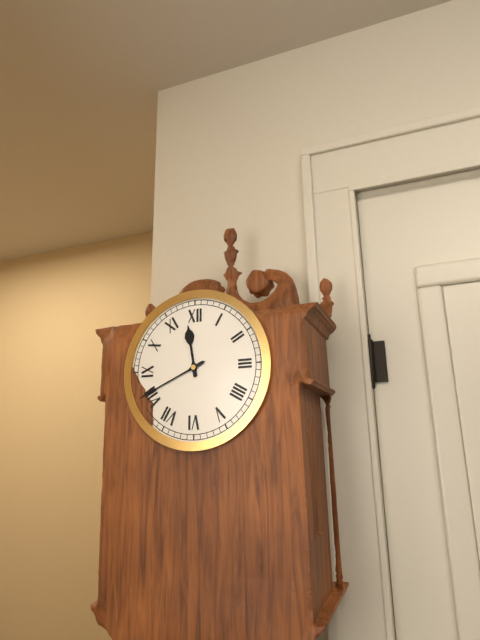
11:41
